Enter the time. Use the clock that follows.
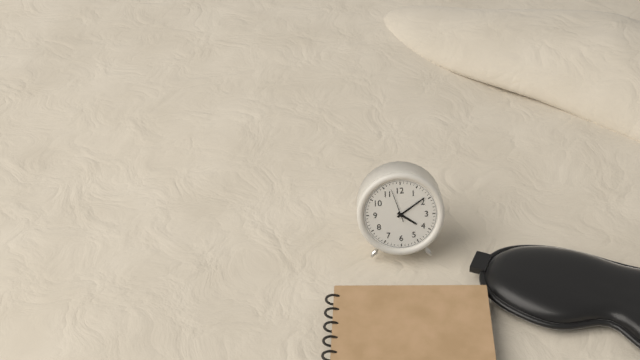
4:09
